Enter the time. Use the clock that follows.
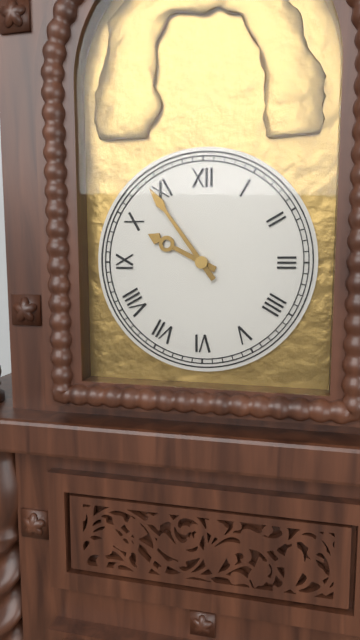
9:54
